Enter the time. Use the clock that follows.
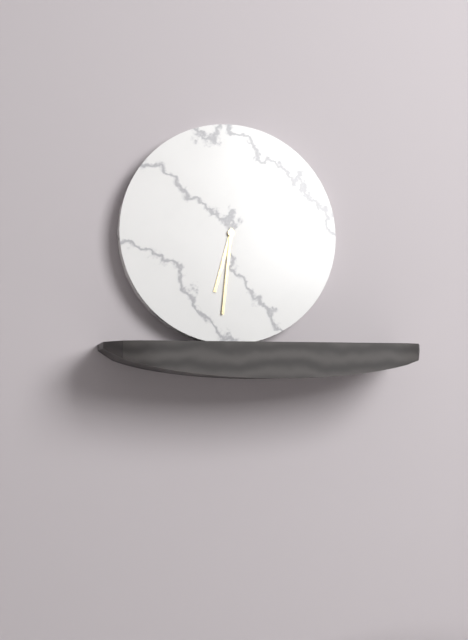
6:31
